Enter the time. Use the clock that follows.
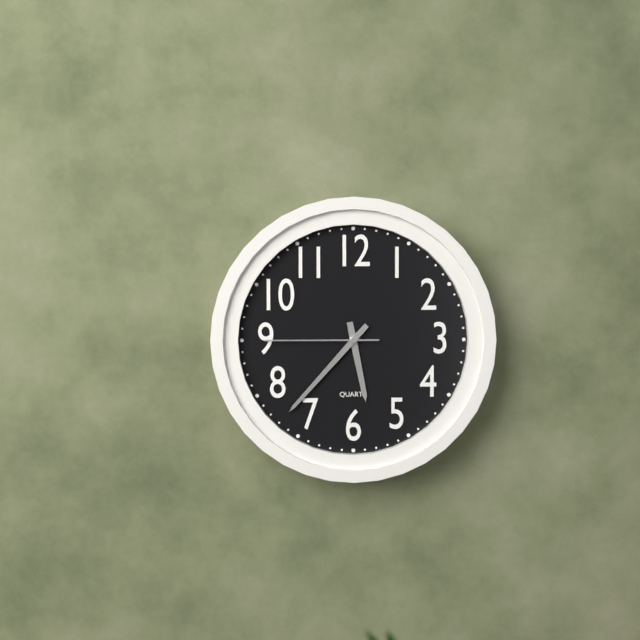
5:37:45
